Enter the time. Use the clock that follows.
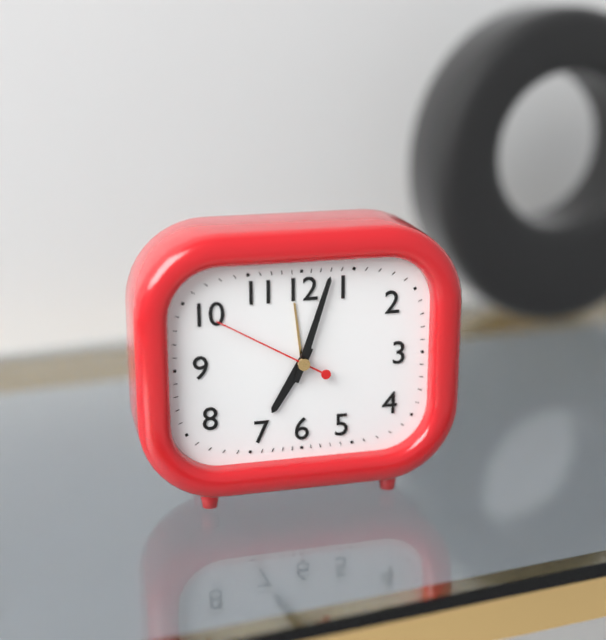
7:03:50
